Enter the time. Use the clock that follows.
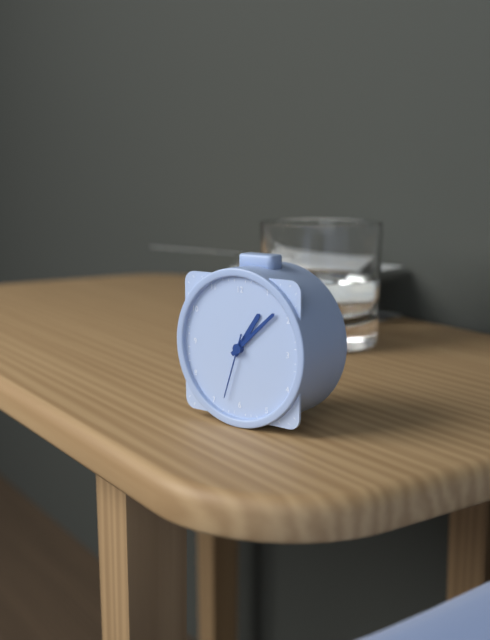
1:08:33
